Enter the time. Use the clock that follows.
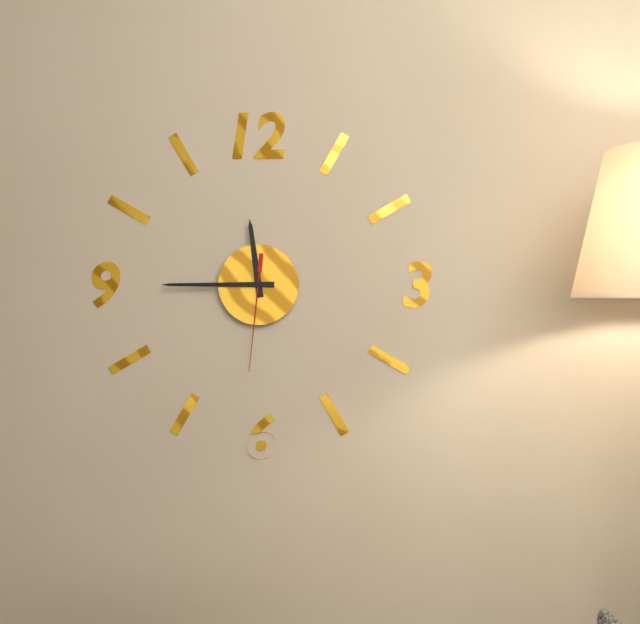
11:45:31
